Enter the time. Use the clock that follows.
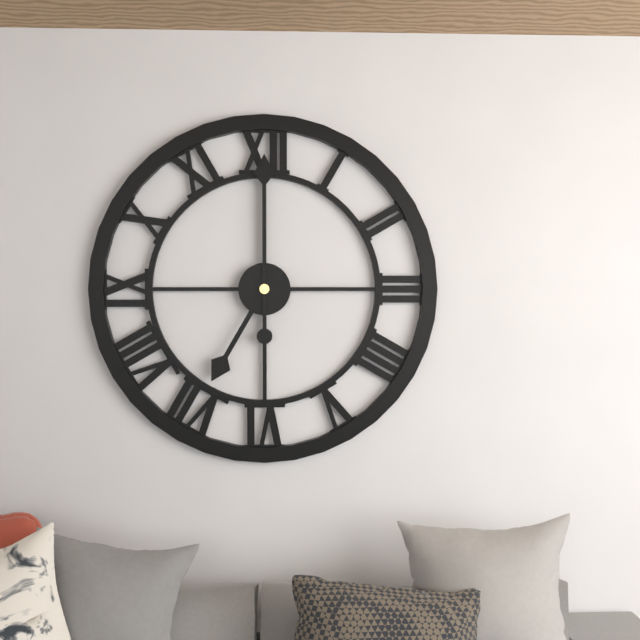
7:00
